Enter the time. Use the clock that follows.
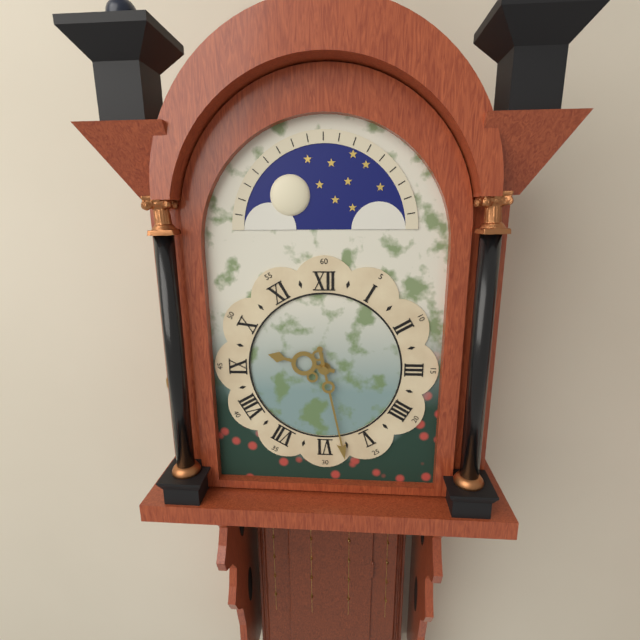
9:28
